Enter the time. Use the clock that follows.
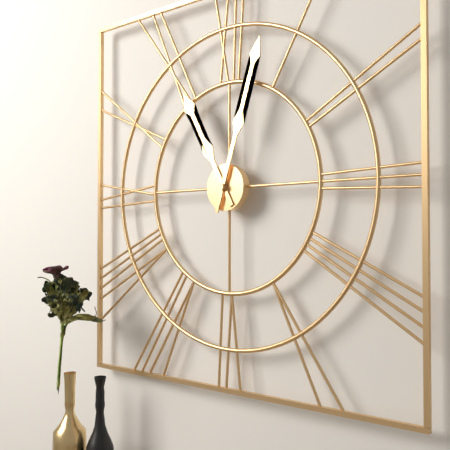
11:03
